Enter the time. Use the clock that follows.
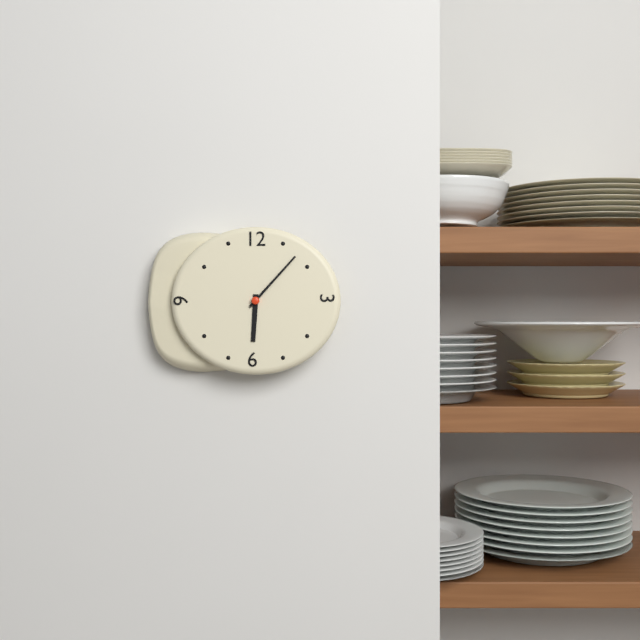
6:07
